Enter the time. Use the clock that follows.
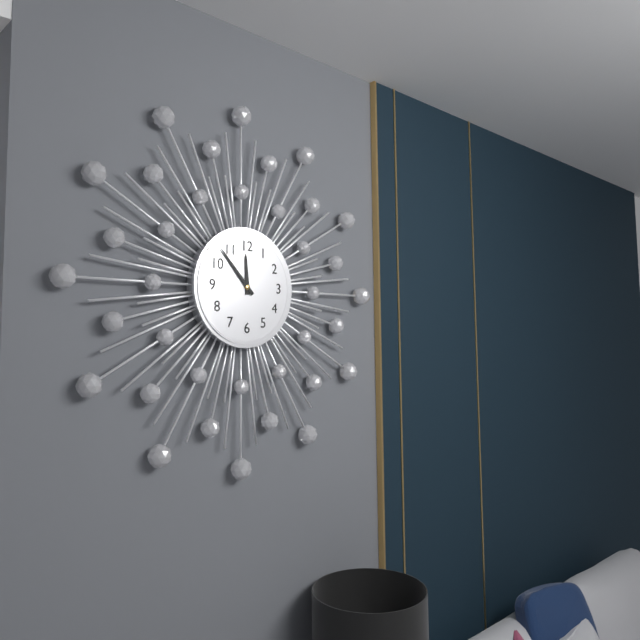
11:53
